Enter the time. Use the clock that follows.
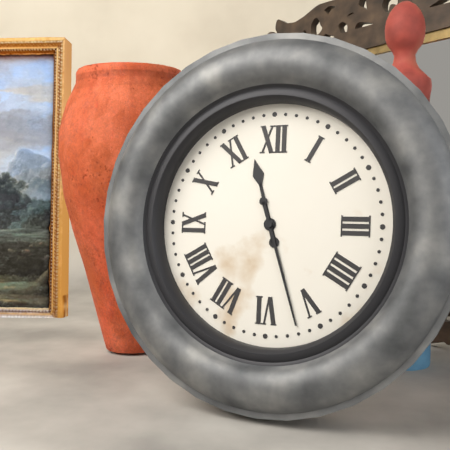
11:27
